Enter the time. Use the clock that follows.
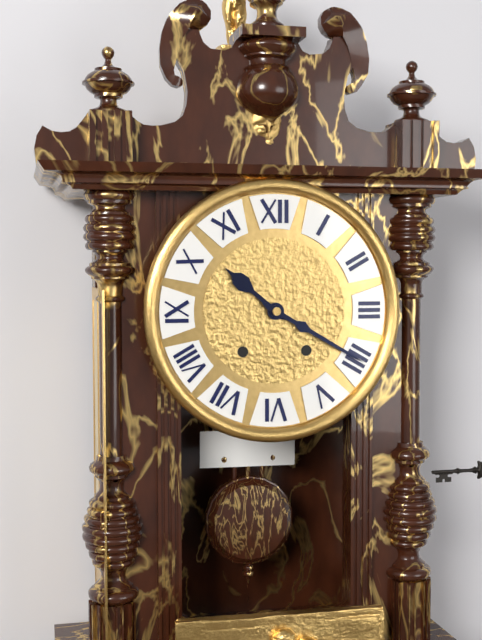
10:20
